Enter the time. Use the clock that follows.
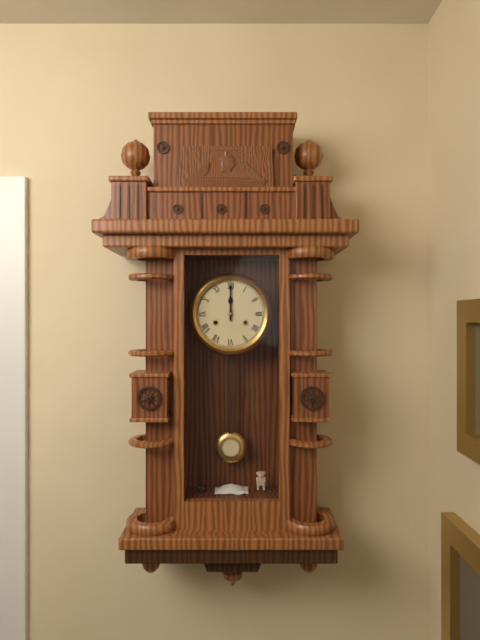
12:00
